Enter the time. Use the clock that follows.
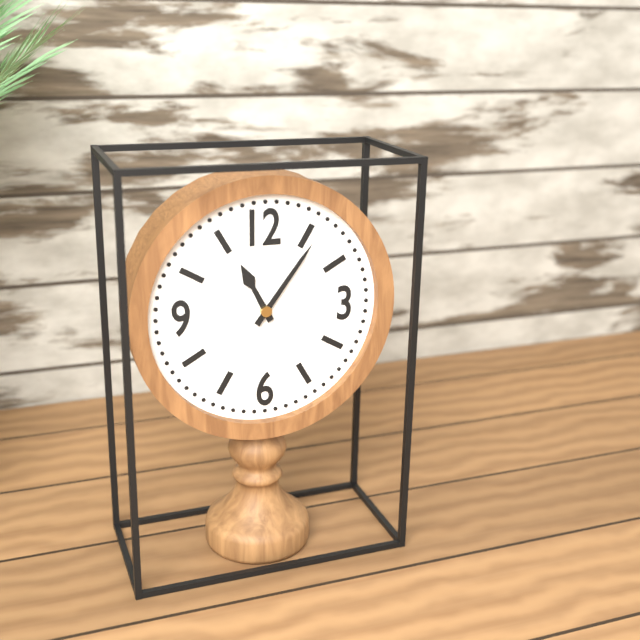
11:06
